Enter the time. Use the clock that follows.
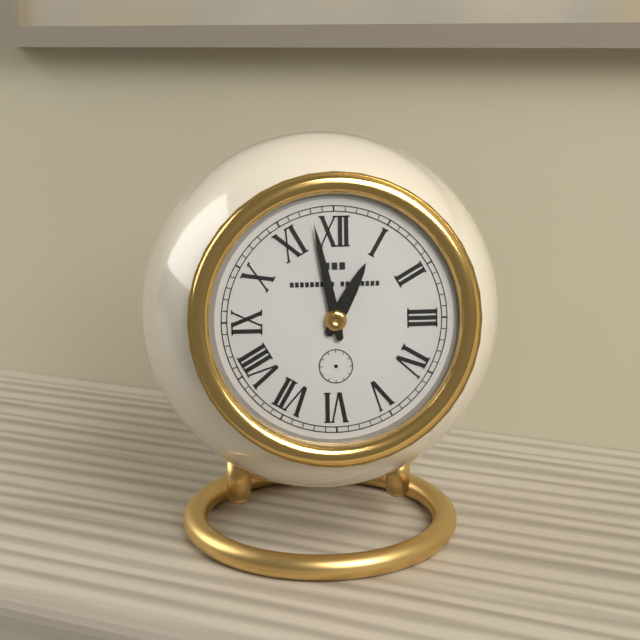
12:58
